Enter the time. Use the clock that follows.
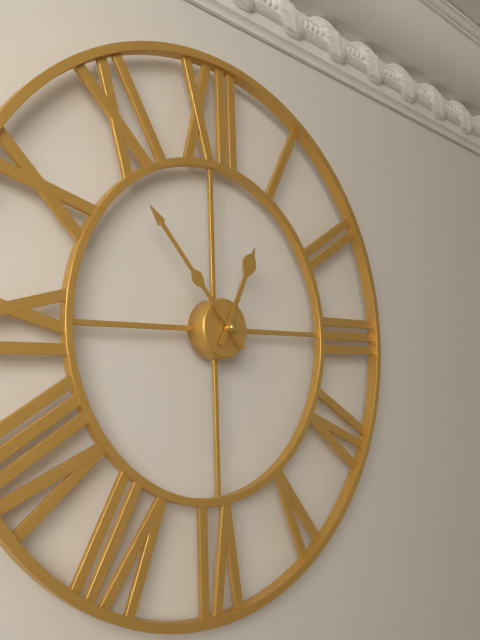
12:53
